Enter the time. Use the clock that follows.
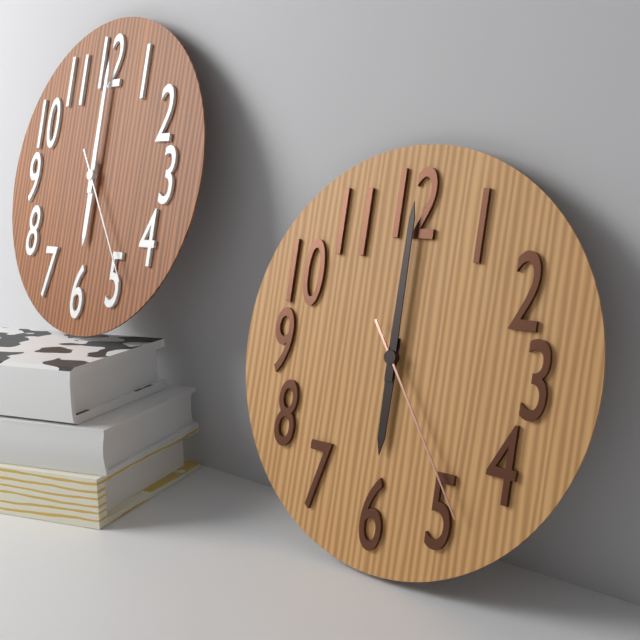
6:00:24
